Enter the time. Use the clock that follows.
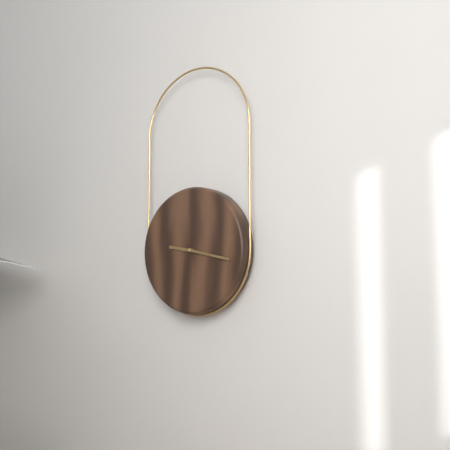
9:17
